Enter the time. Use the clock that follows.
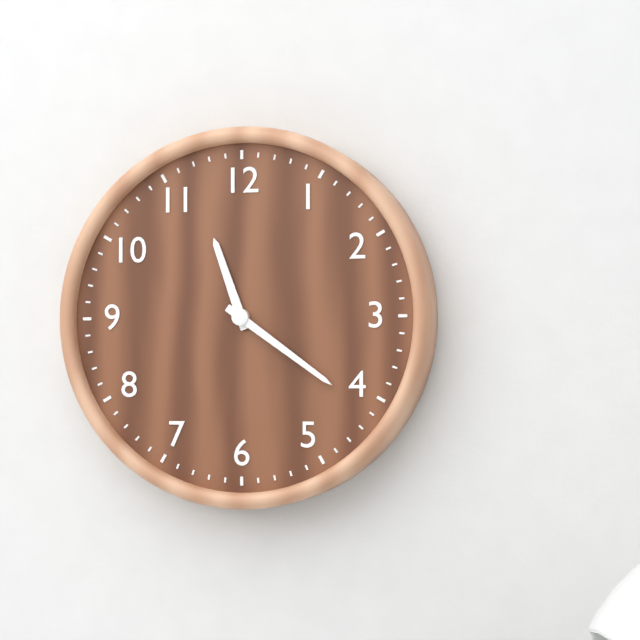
11:21
